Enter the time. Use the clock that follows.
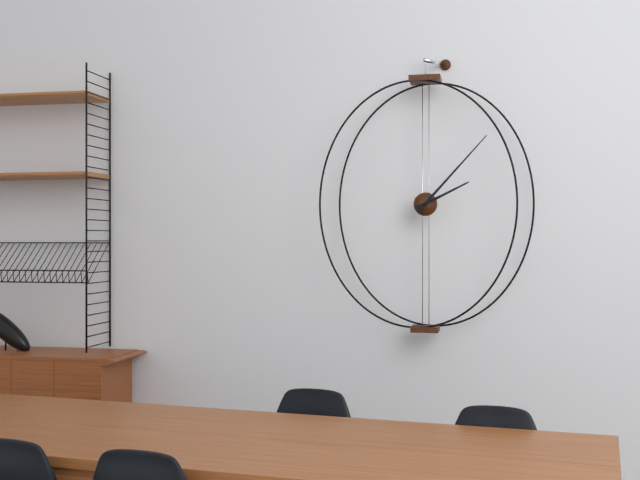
2:07
